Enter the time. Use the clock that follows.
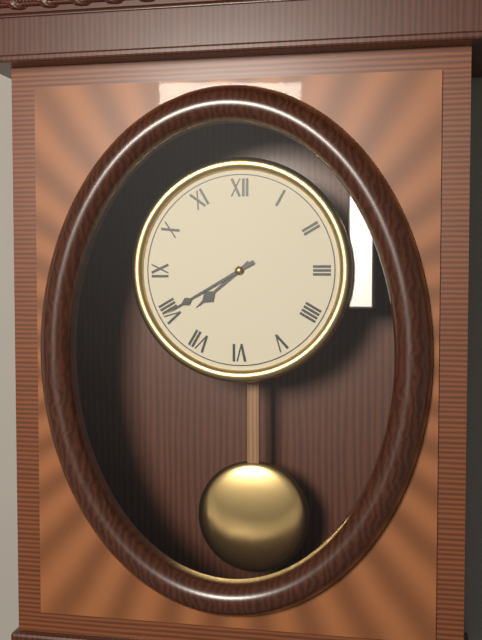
7:40
